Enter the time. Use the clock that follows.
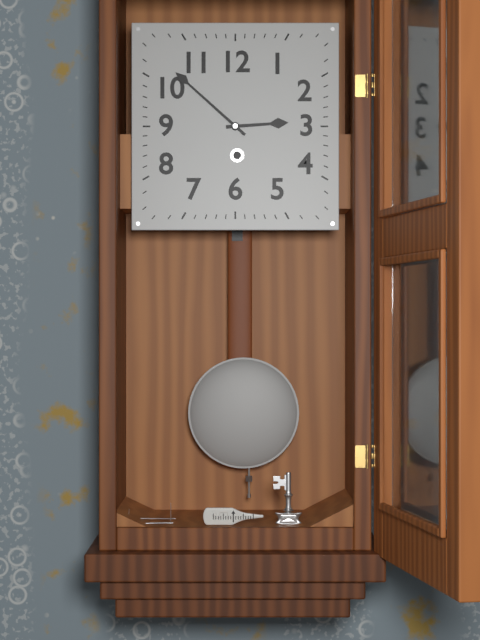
2:52
